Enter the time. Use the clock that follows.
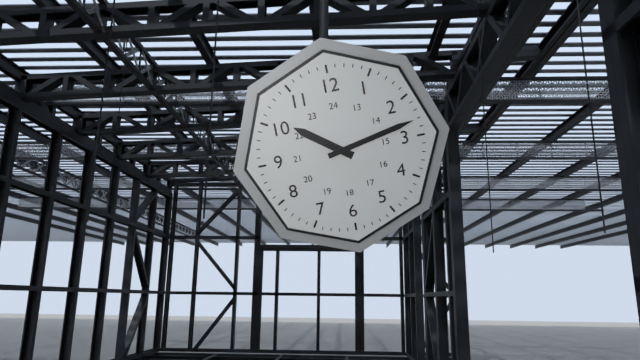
10:13
